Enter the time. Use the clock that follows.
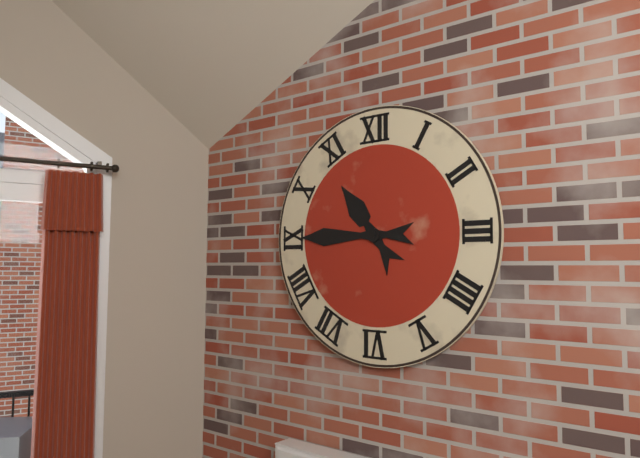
10:45
